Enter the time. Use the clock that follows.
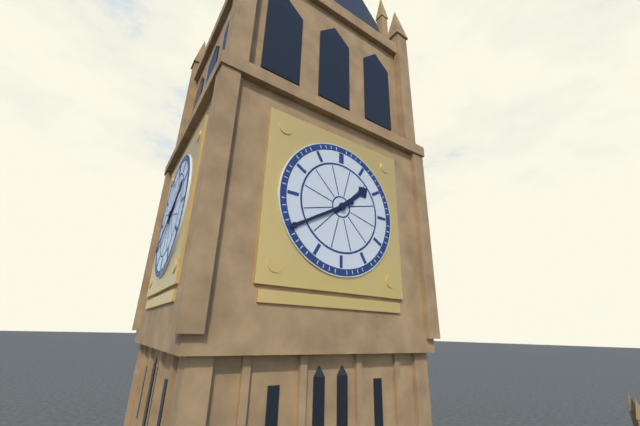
1:40
